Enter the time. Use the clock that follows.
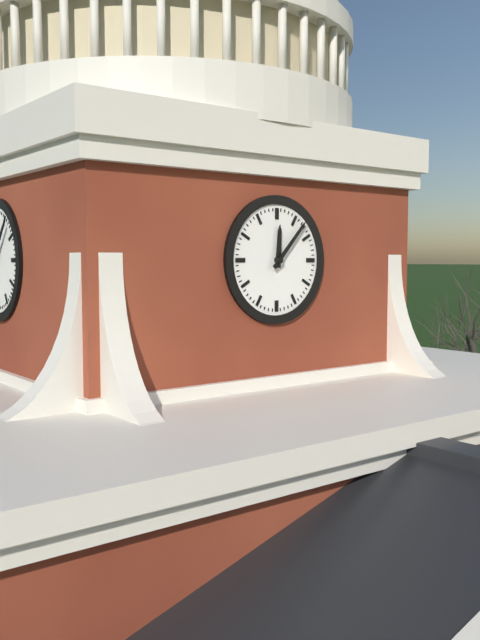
12:07
